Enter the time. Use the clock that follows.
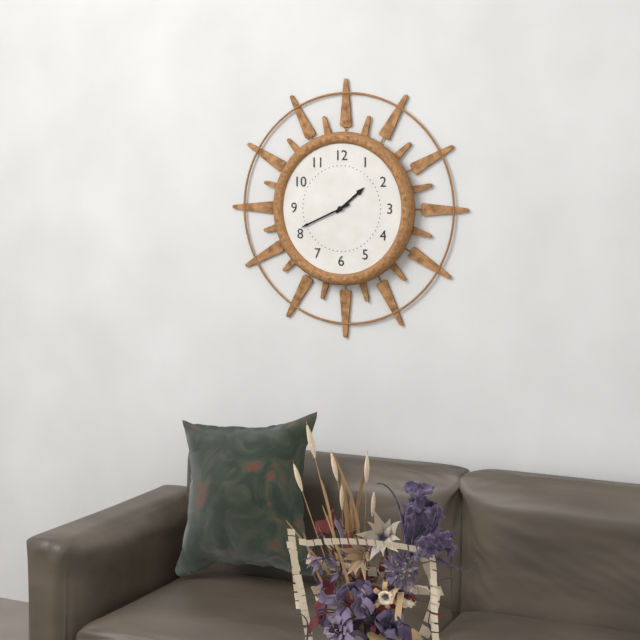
1:41
